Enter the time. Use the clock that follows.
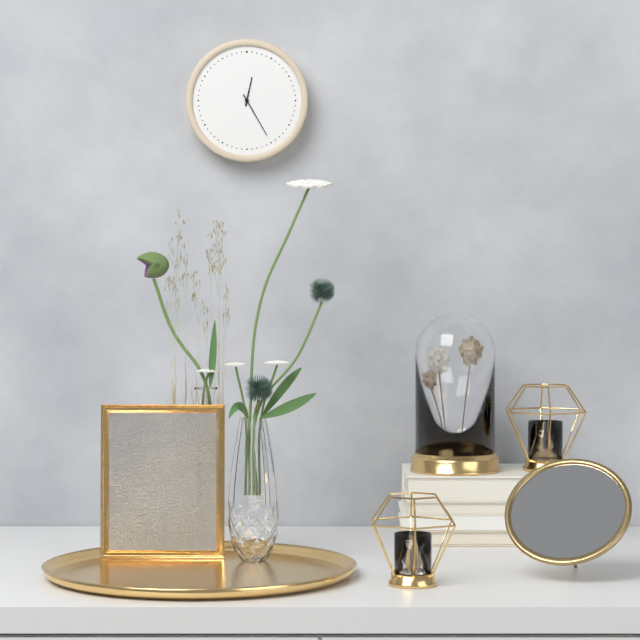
12:25
